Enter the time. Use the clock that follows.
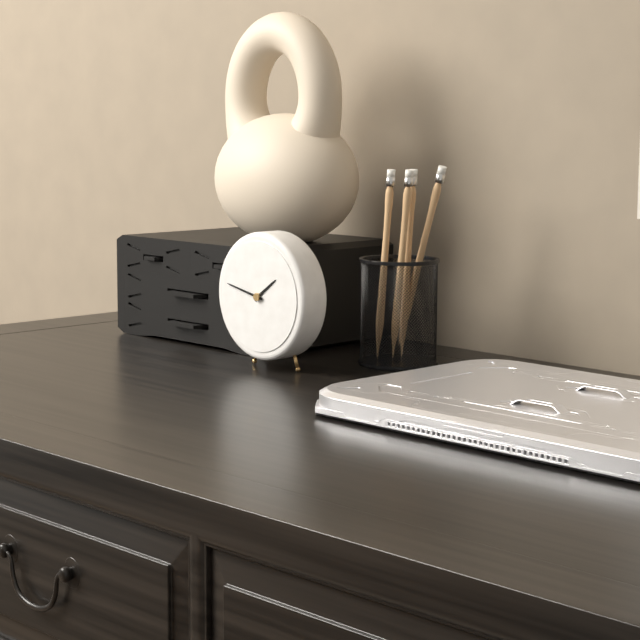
1:47
